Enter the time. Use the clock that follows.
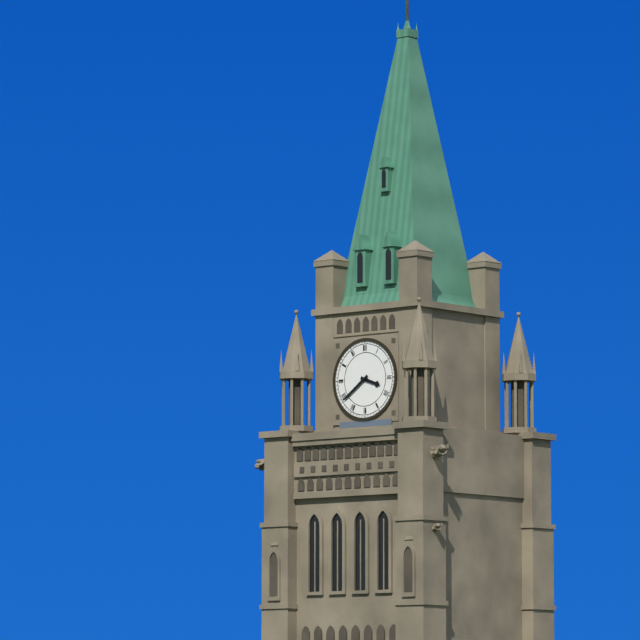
3:39
